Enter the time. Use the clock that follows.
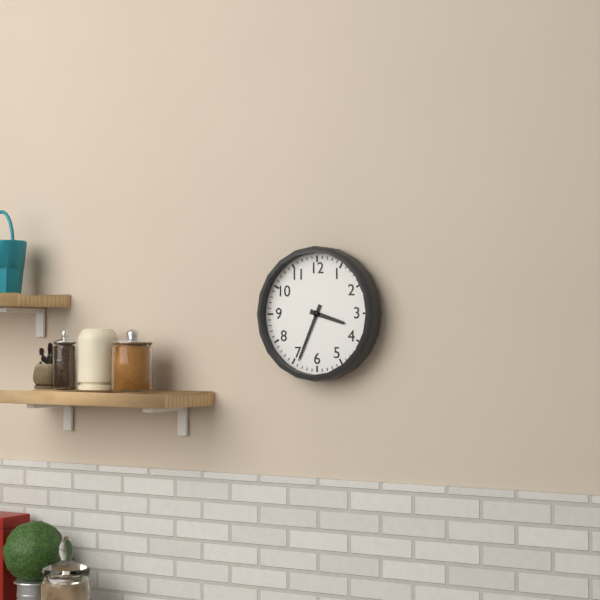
3:34
